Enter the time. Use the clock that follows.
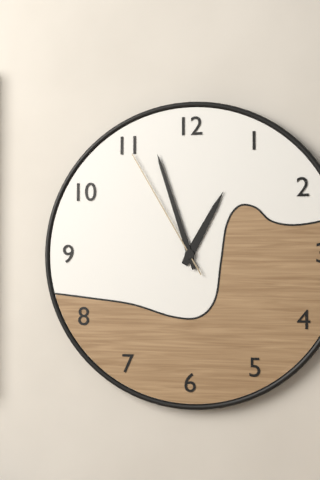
12:57:55
